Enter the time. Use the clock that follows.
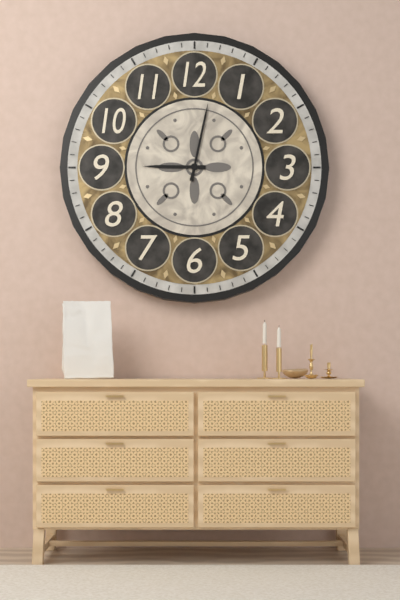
9:02
